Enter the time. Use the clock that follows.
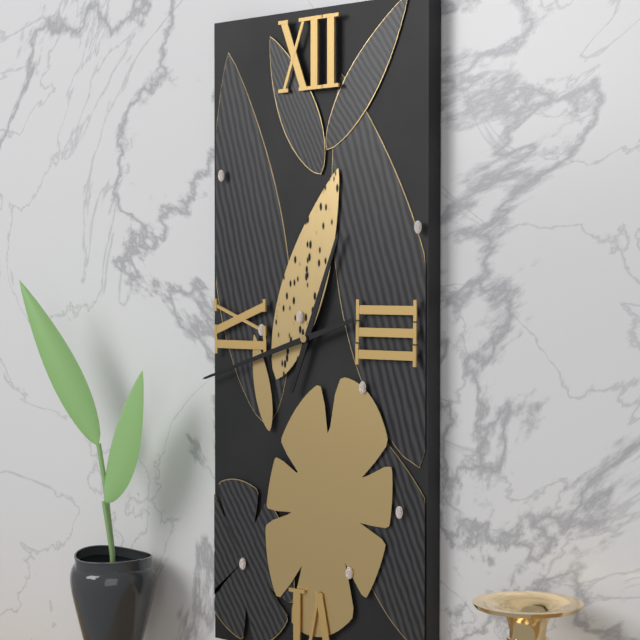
12:42
